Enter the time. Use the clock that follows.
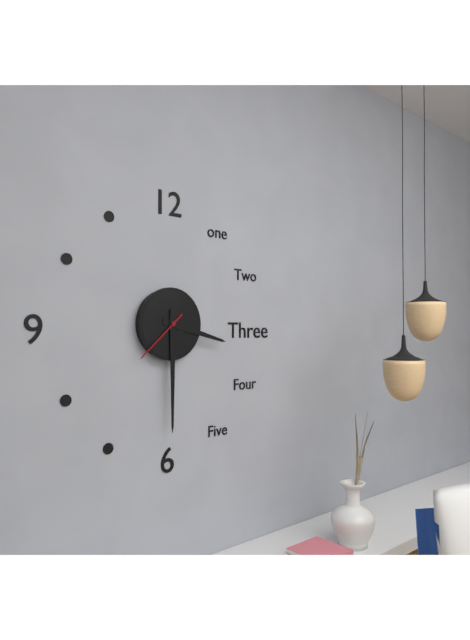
3:30:38
